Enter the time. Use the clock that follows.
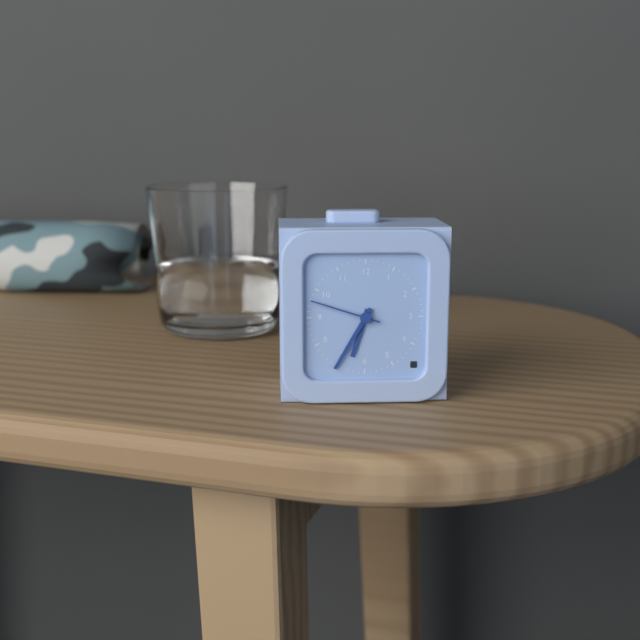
6:35:48
